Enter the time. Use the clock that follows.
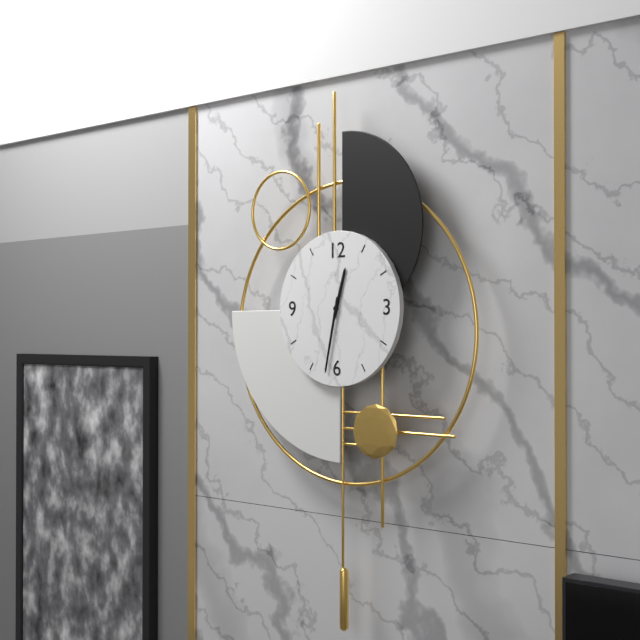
12:32
